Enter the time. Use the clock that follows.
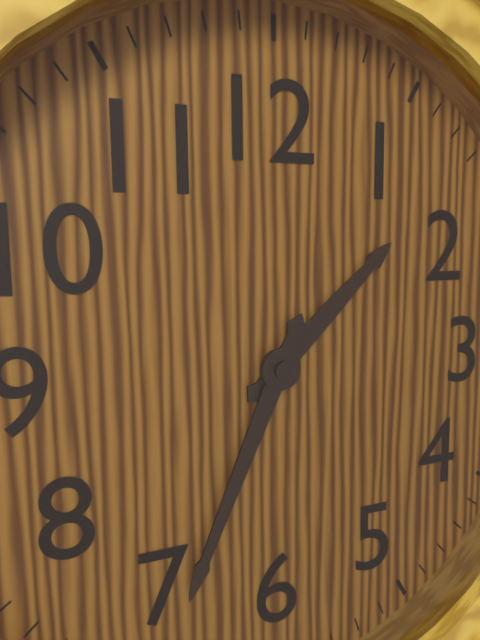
1:34
